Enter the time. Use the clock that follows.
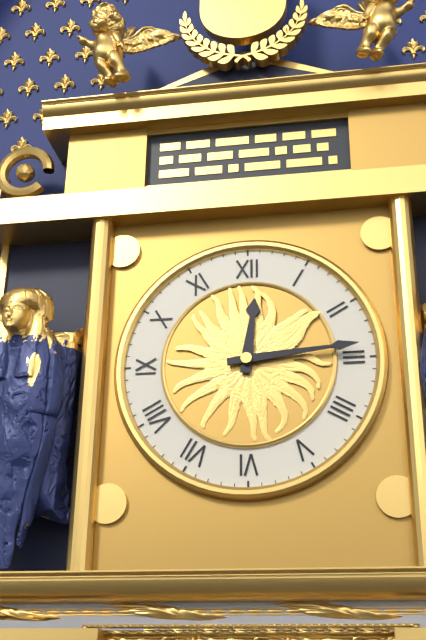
12:14
